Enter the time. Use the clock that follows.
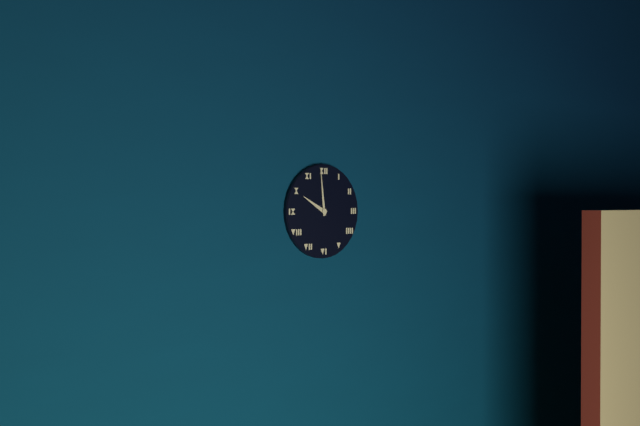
9:59
